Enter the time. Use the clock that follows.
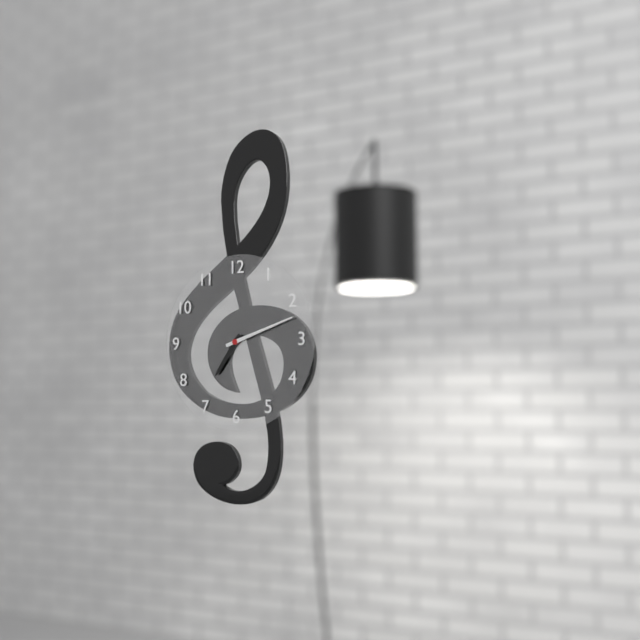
7:12
